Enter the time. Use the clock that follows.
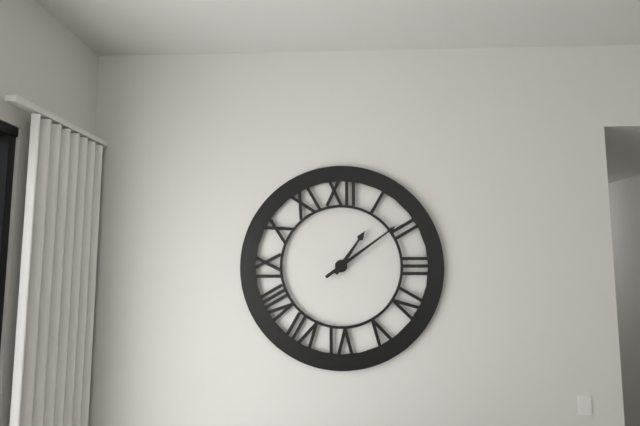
1:09
